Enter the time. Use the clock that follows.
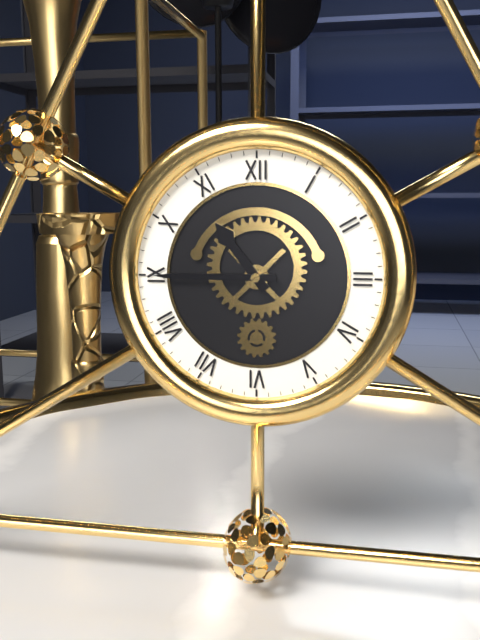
10:45
